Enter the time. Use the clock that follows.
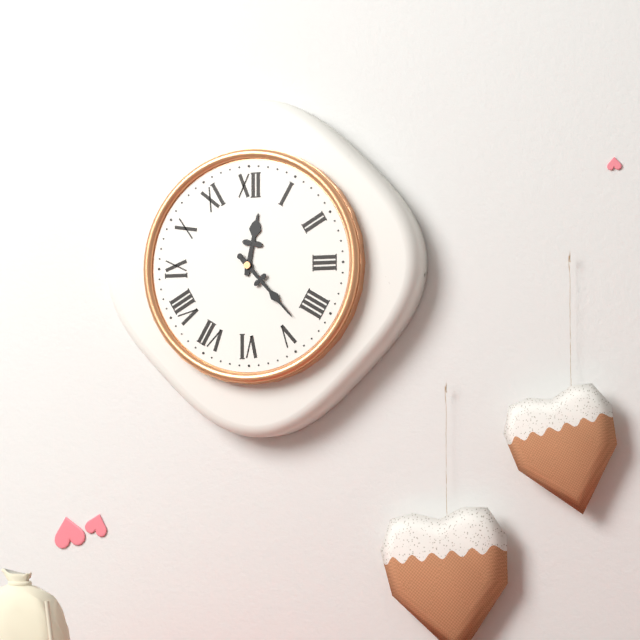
12:23
